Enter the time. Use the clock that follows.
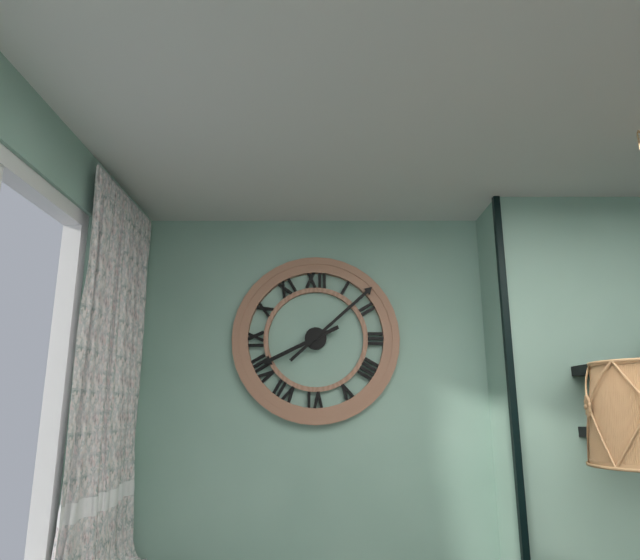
8:08
